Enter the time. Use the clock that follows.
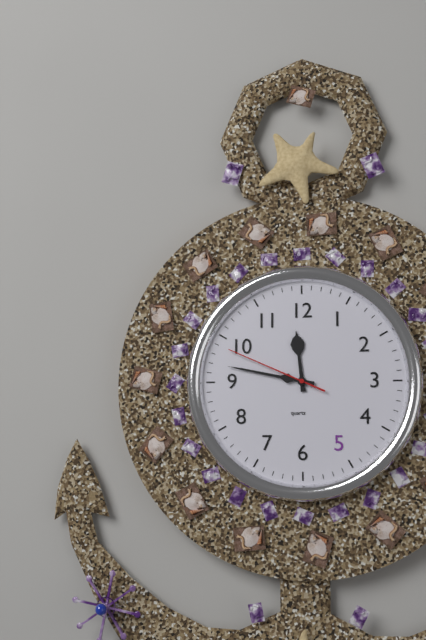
11:47:49
